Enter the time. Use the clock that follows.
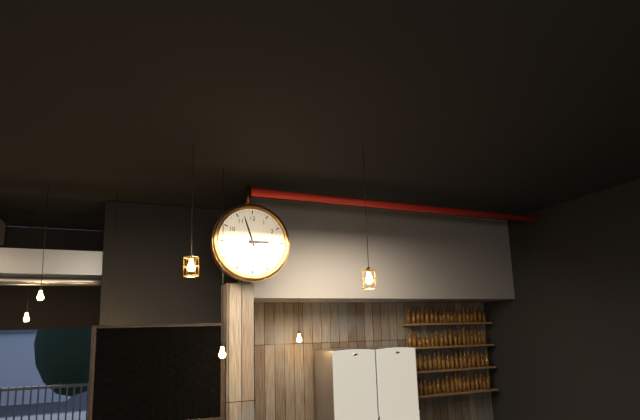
2:57
